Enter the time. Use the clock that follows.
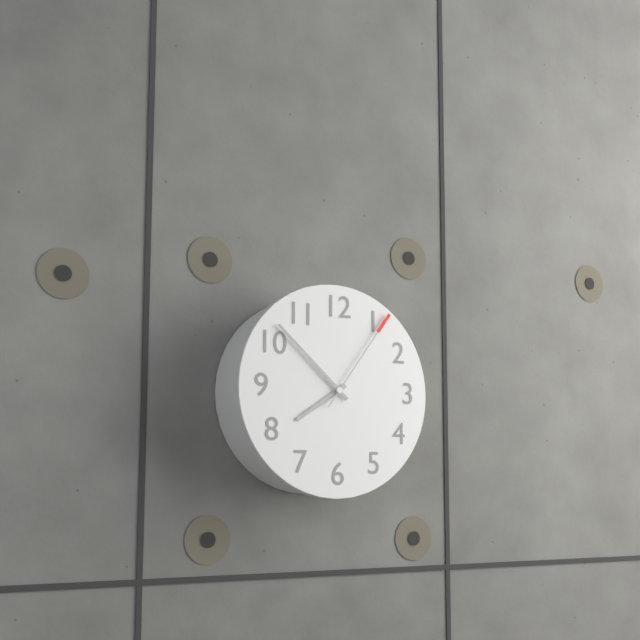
7:52:06
